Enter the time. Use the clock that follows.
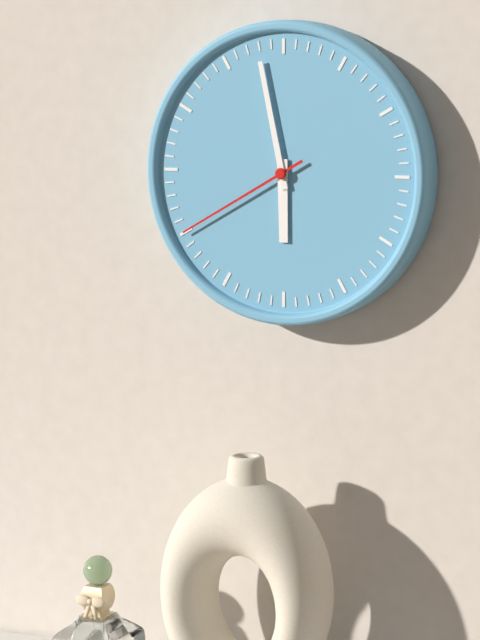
5:58:40
